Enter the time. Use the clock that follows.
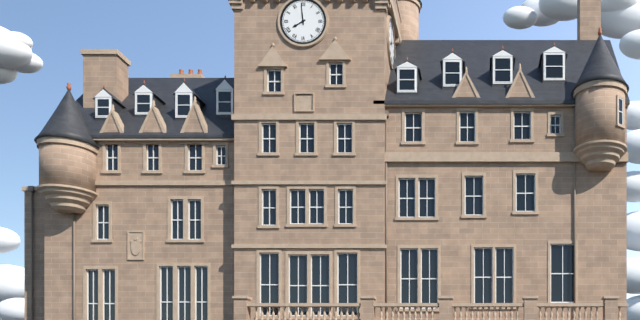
7:59
